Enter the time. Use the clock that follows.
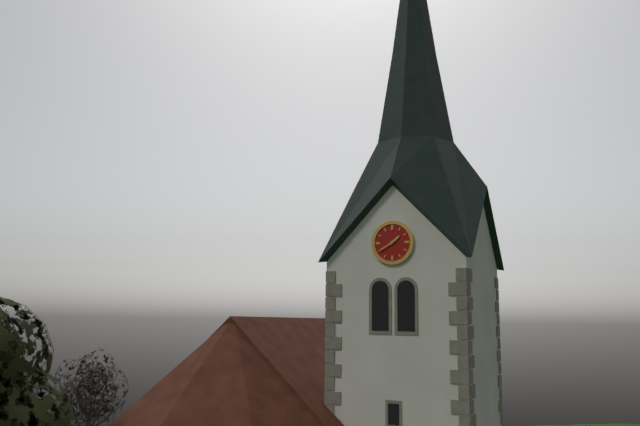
1:40
